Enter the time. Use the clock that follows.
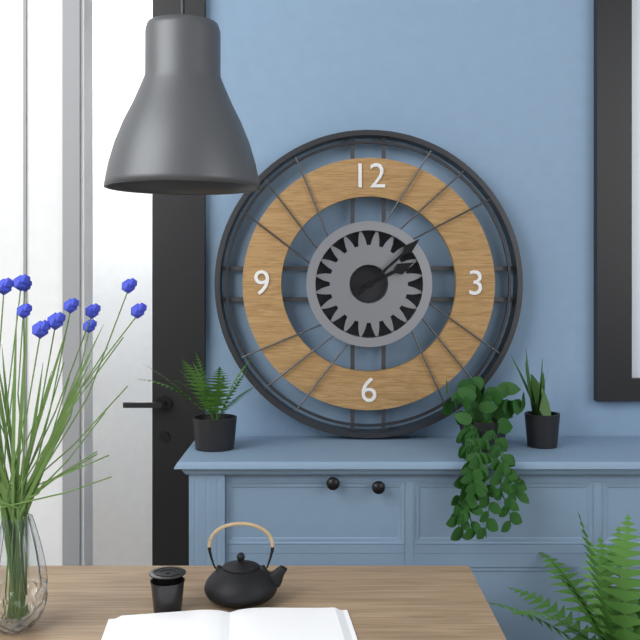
2:08
